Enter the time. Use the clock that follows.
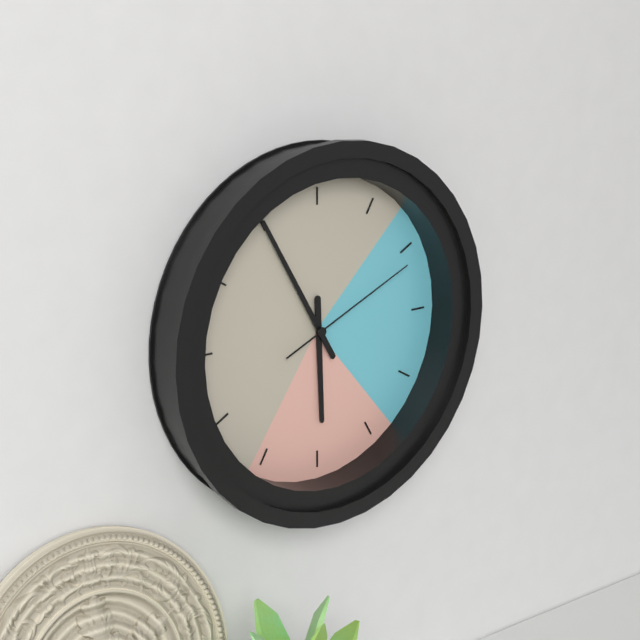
5:55:11
